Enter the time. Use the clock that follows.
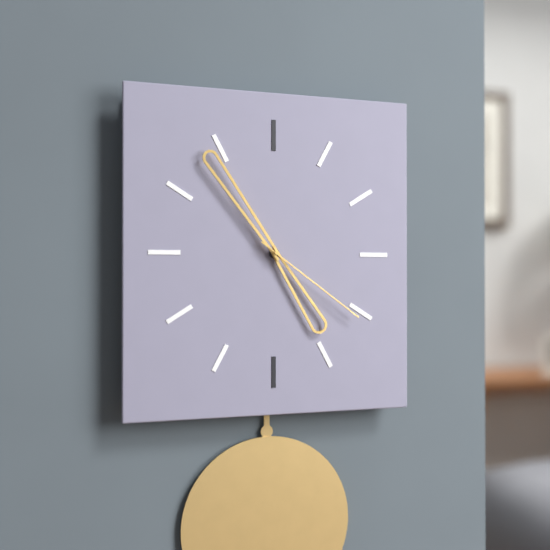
4:54:21
